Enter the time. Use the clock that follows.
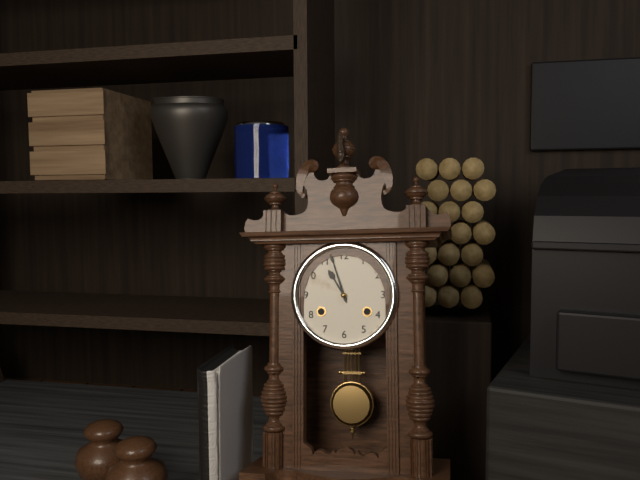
10:57
